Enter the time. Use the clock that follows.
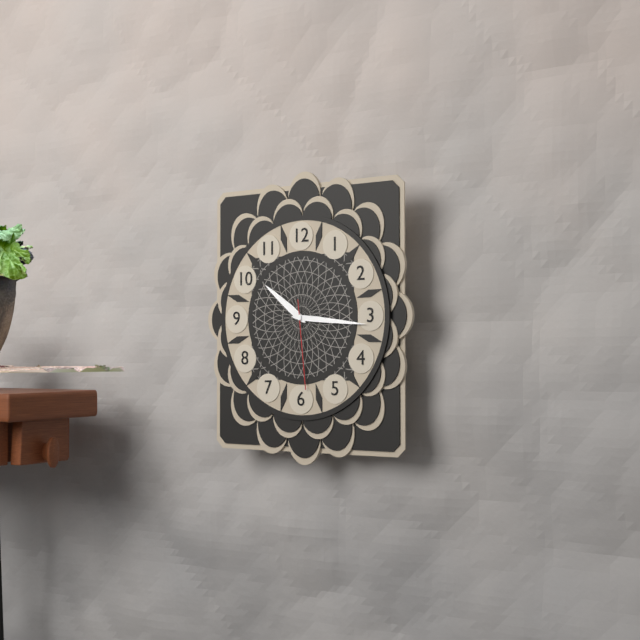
10:16:29
